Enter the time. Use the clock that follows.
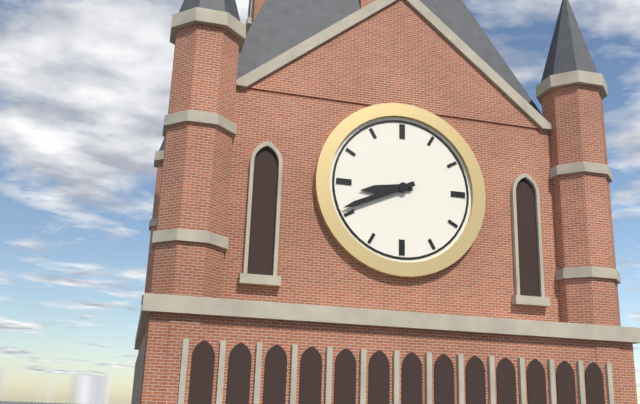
8:41
